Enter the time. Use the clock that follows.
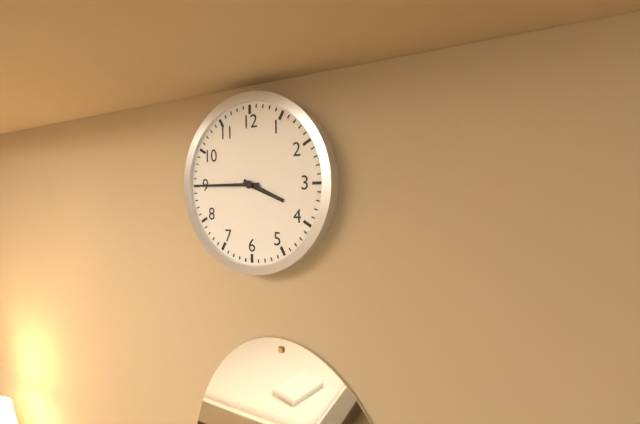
3:45
